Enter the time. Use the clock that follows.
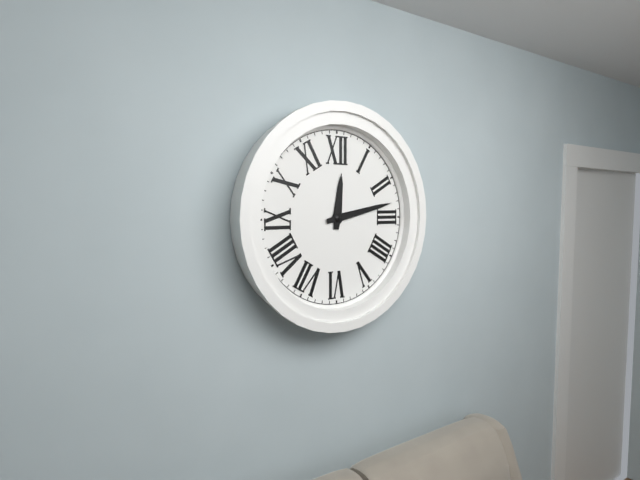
12:13
